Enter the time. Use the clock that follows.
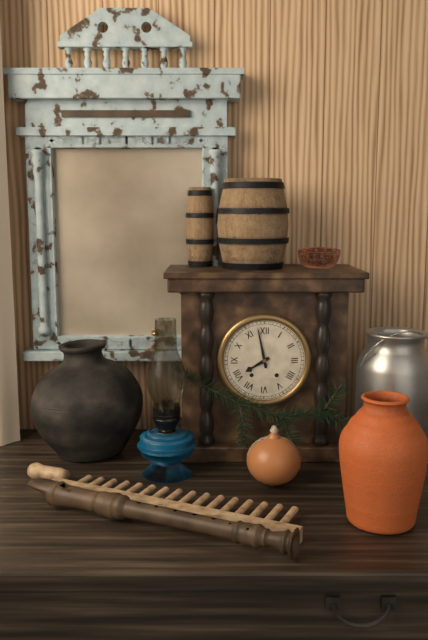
7:58
